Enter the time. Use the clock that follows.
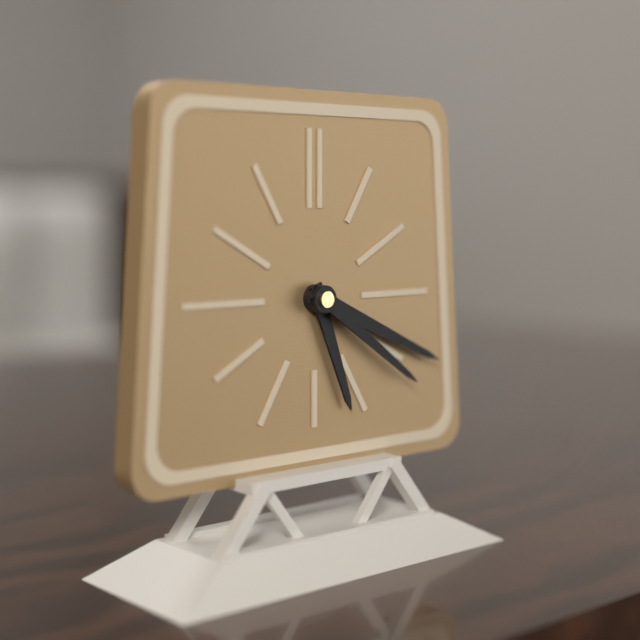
5:19:21
